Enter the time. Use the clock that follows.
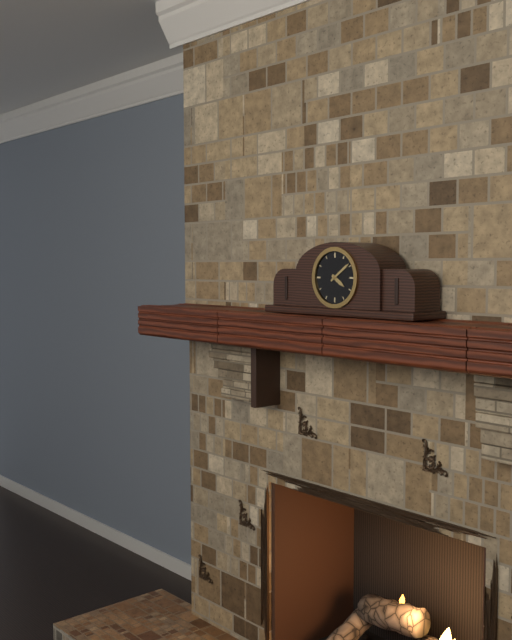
4:09
